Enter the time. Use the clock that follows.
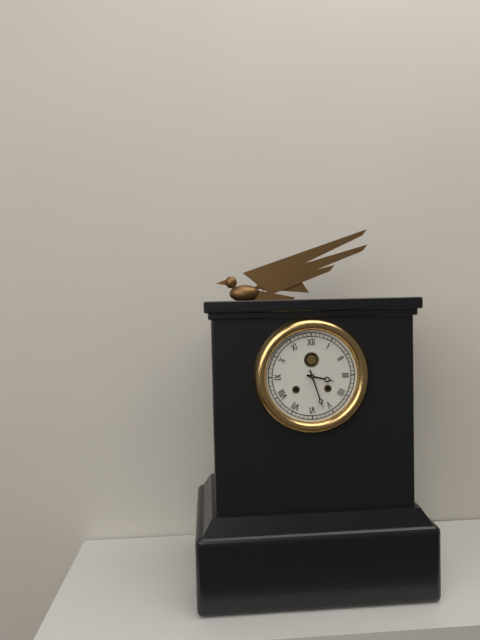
3:27
